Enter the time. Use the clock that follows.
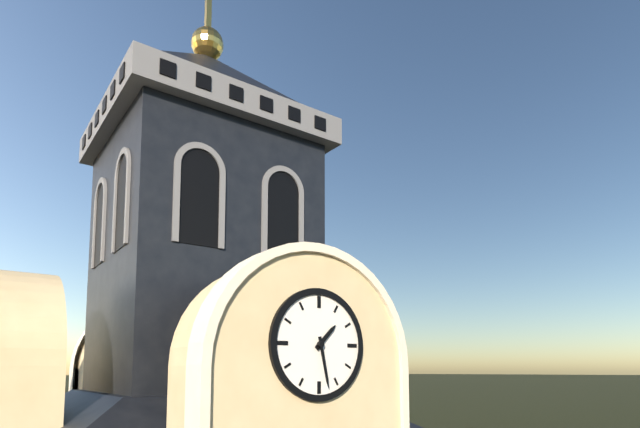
1:28
